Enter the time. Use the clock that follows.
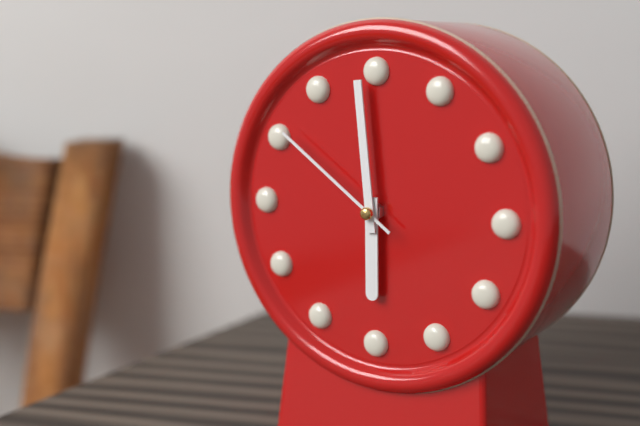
5:59:51
